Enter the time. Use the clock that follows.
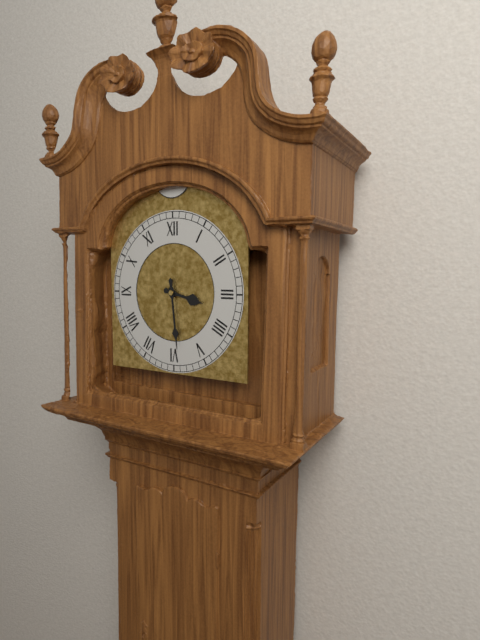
3:29
